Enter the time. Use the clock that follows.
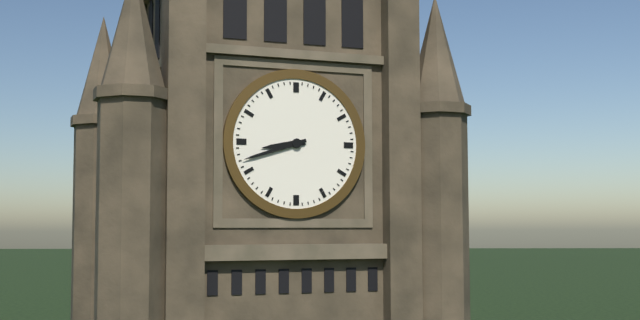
8:42
